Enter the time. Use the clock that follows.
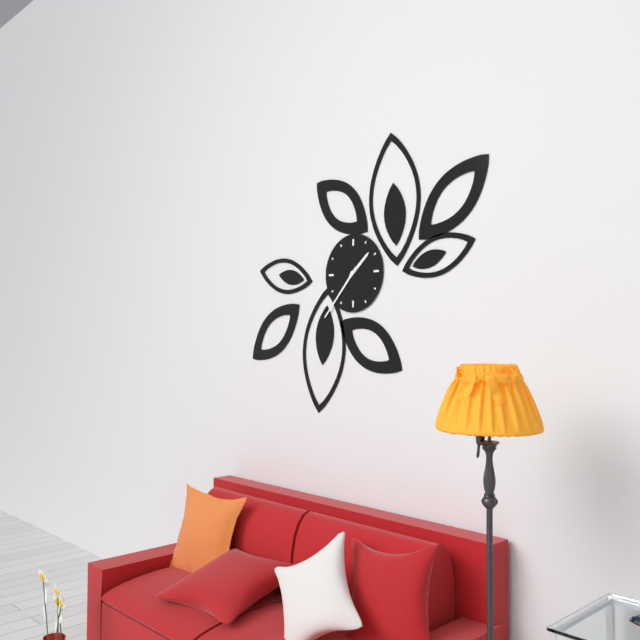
1:37
